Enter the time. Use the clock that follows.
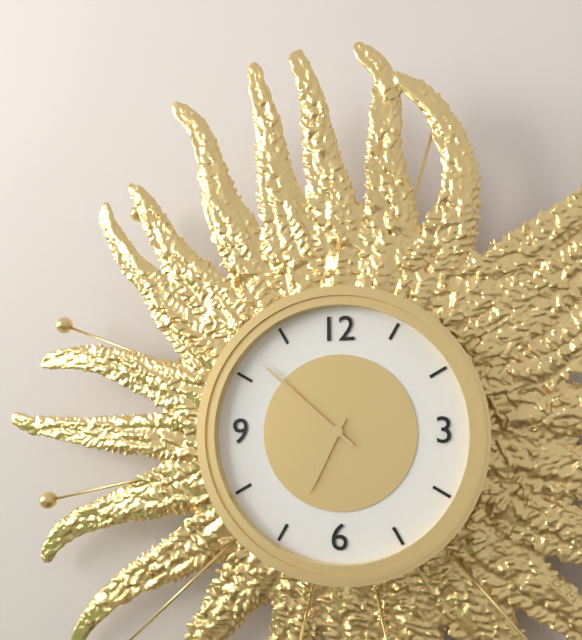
6:52
